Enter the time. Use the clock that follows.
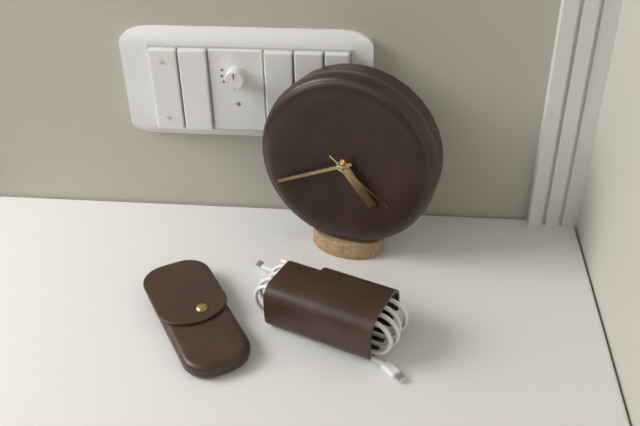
4:41:21
